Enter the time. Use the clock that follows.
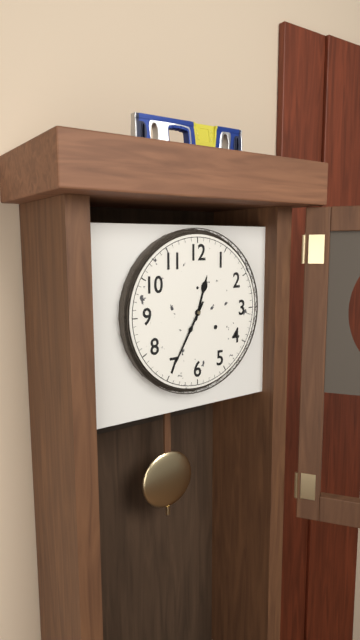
12:35
